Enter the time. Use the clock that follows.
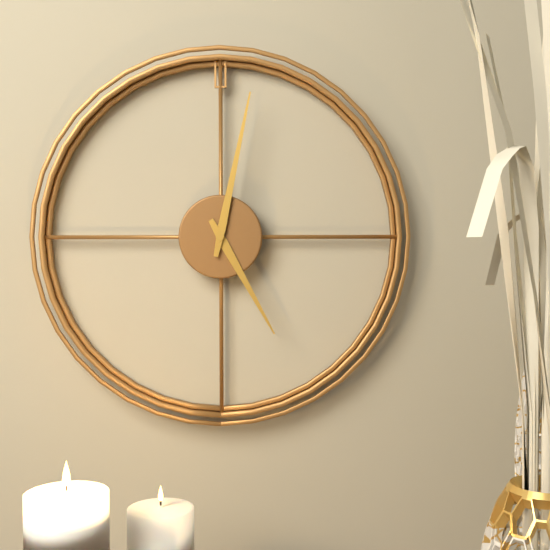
5:02
